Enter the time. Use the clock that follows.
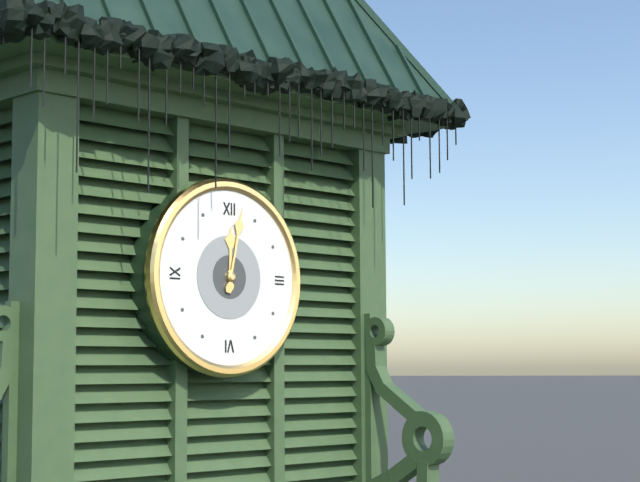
12:02
